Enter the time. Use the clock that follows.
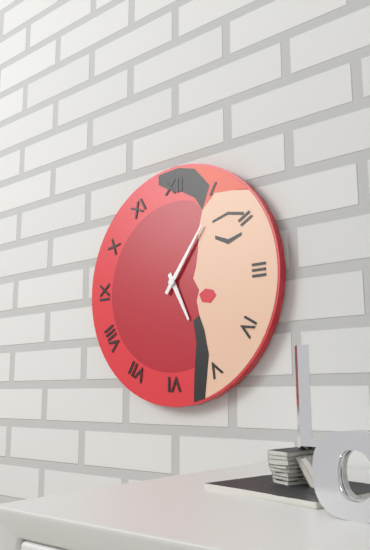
5:06
